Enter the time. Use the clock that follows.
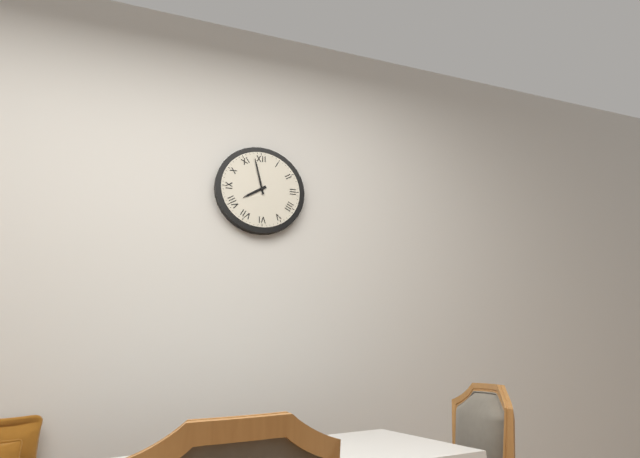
7:58
